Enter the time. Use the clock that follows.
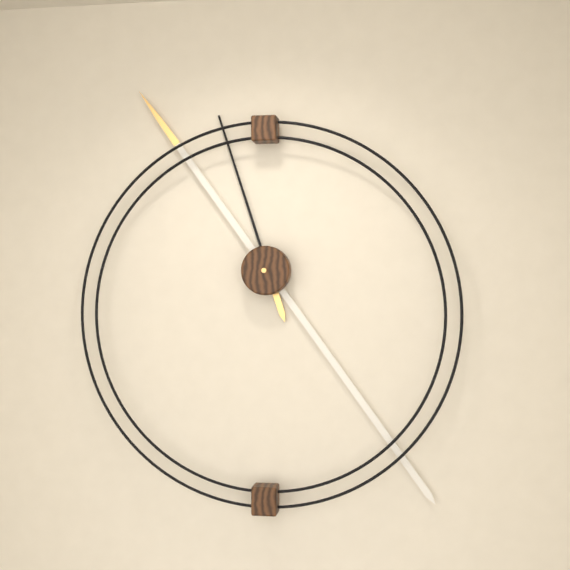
11:24
